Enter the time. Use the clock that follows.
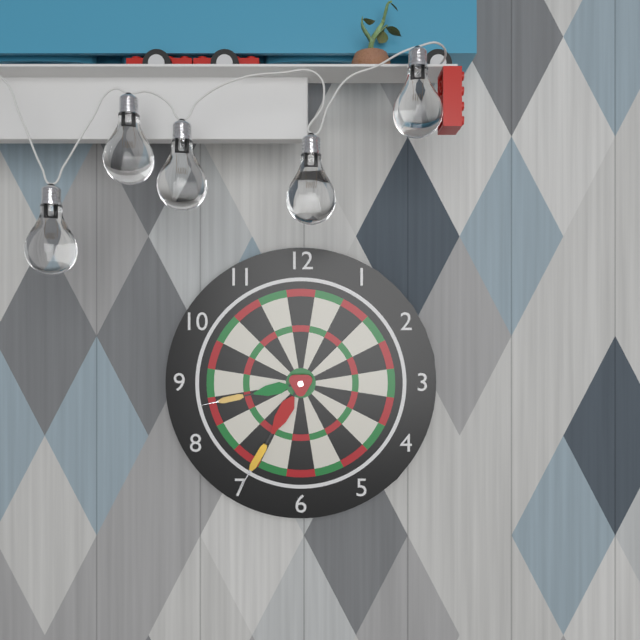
8:35
